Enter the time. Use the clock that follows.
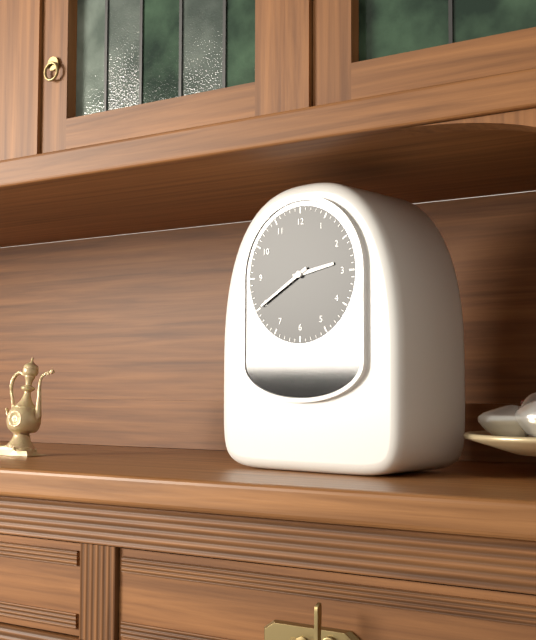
2:40
